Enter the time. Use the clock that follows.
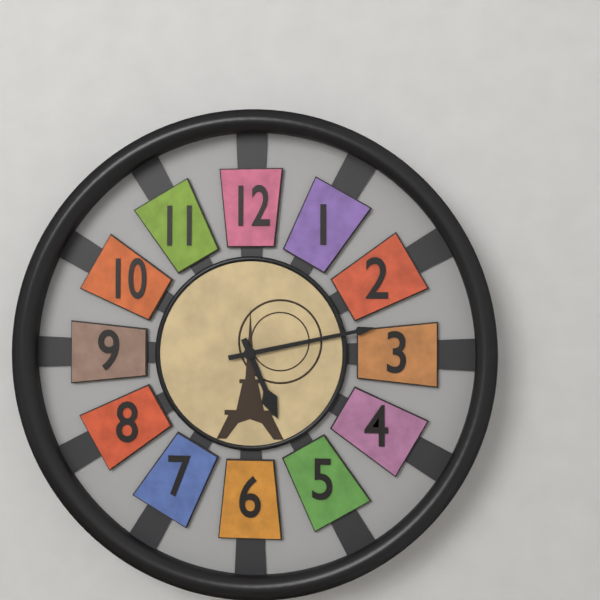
5:13
